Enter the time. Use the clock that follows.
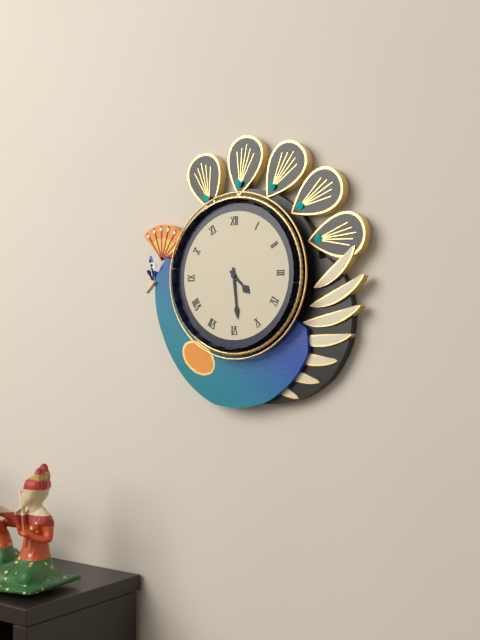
4:29
